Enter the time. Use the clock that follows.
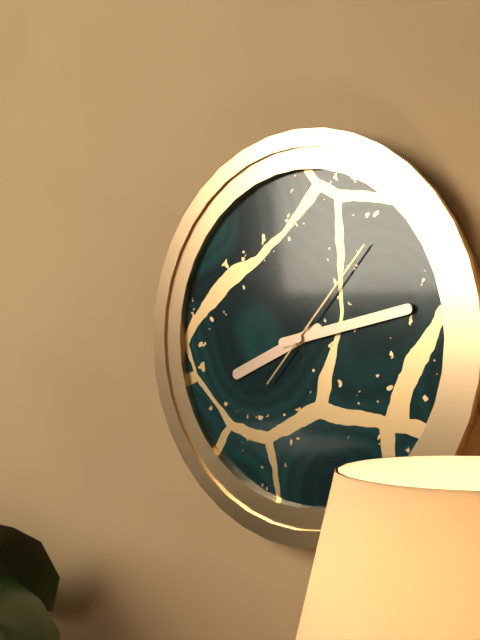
8:13:07
